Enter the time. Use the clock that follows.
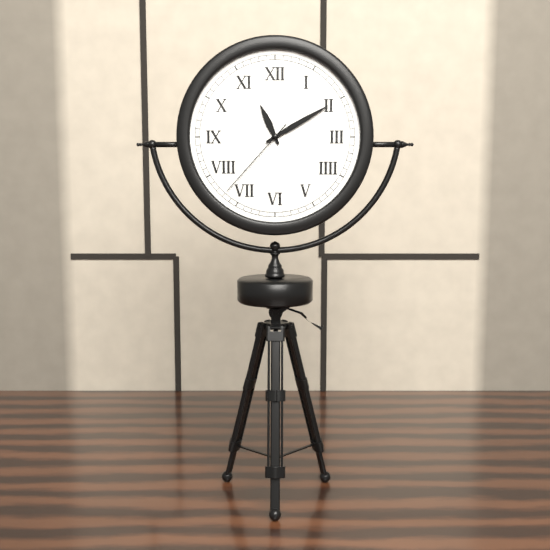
11:10:37
